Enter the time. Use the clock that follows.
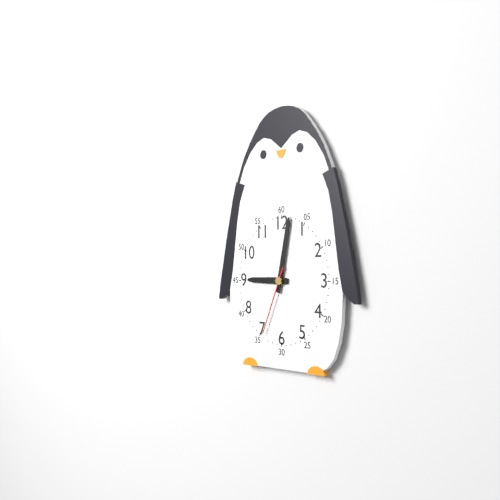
9:02:34
